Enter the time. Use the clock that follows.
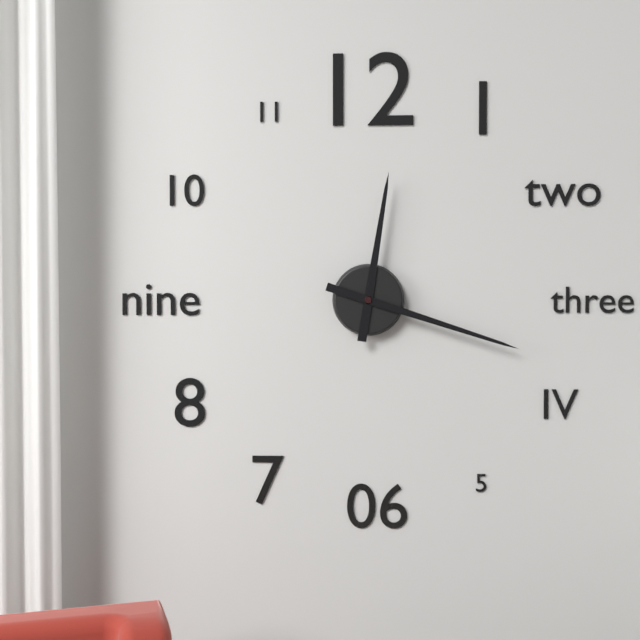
12:18
